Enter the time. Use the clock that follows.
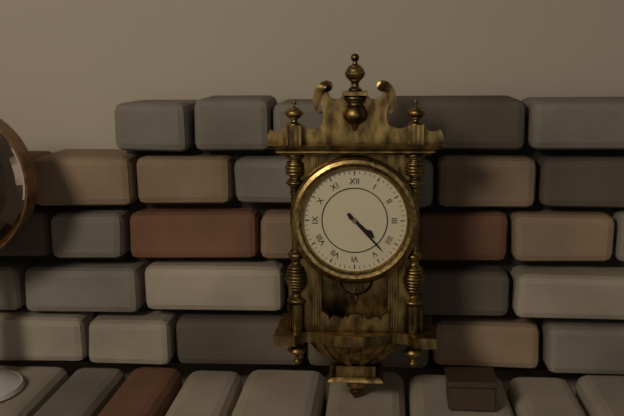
4:23
